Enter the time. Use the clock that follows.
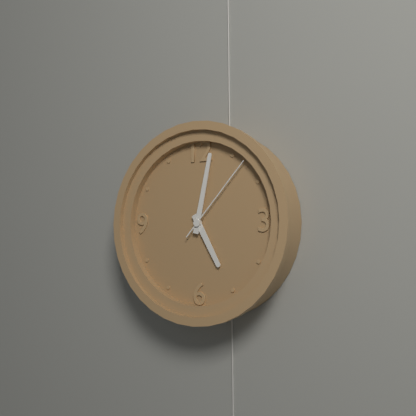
5:02:07
